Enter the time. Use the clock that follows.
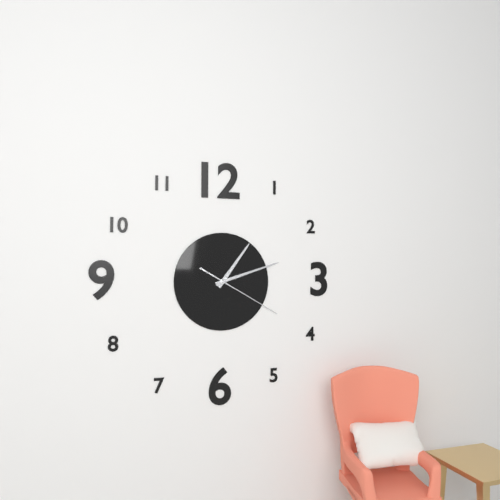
1:12:20
